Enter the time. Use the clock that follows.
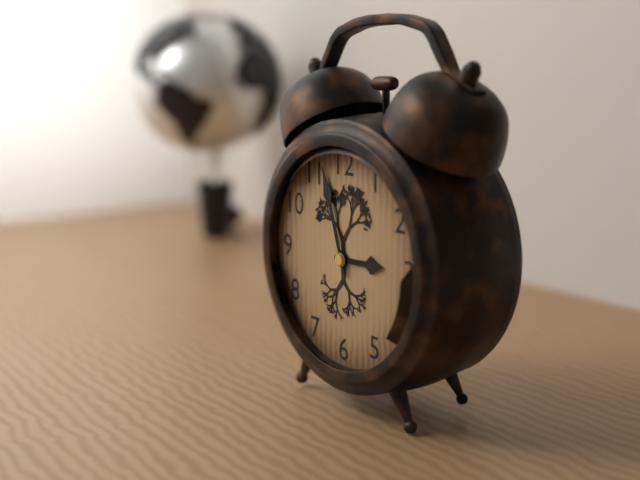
2:57
